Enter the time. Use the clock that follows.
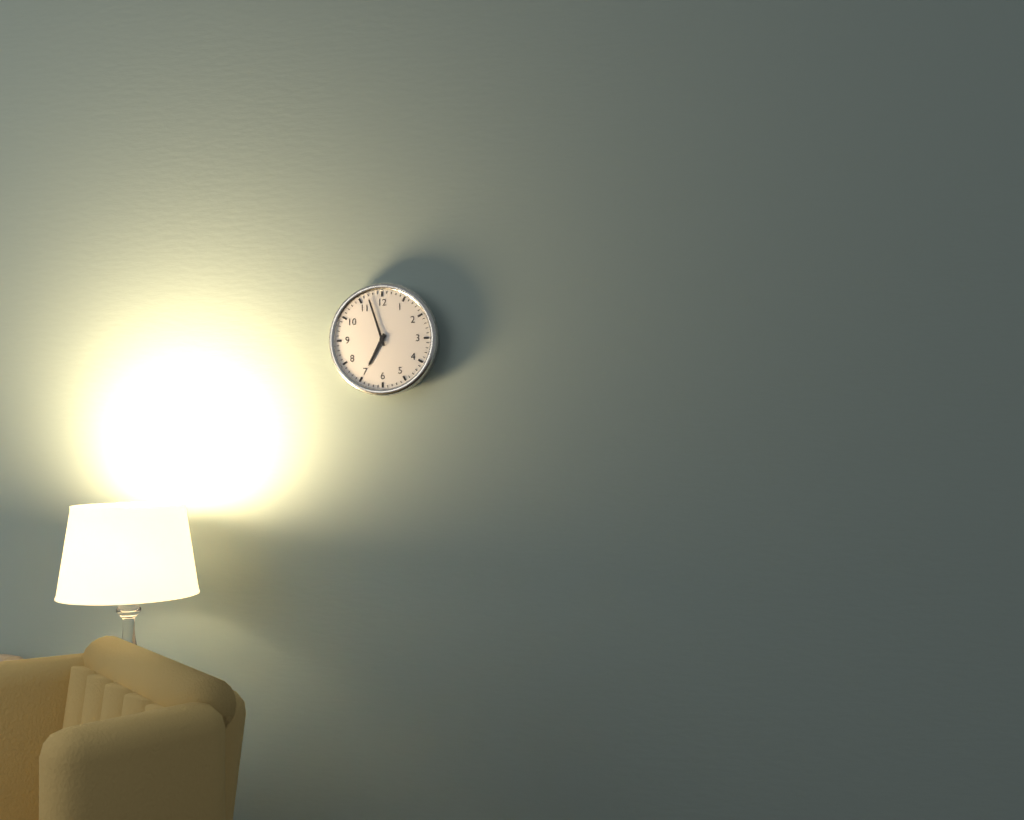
6:57
